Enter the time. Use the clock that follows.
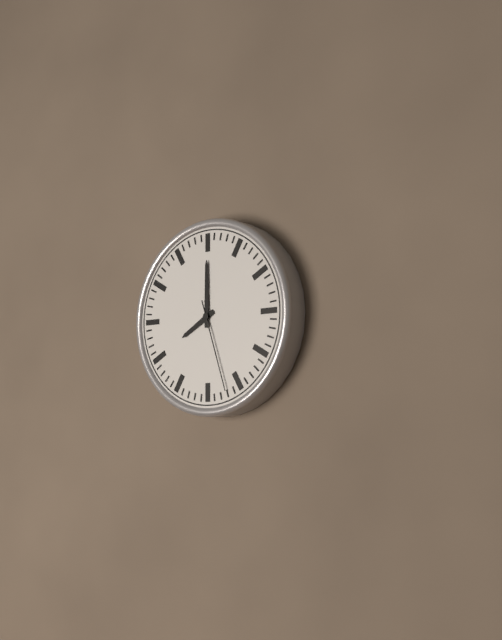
8:00:27
